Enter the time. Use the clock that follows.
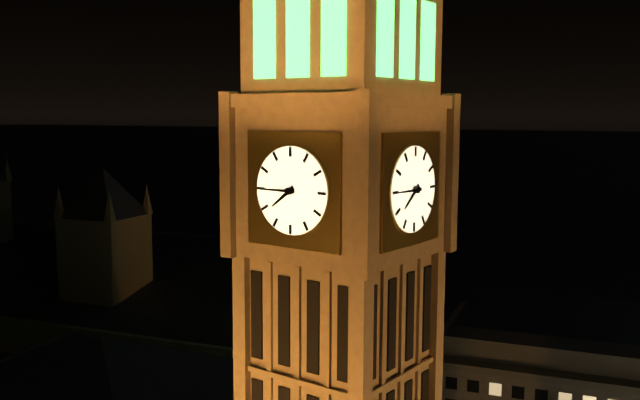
7:45
